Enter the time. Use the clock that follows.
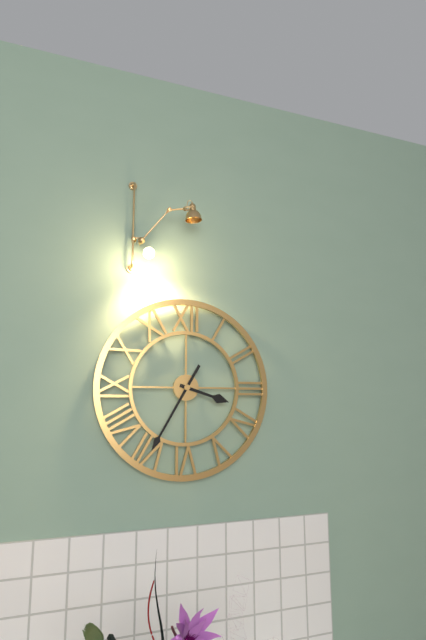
3:35
